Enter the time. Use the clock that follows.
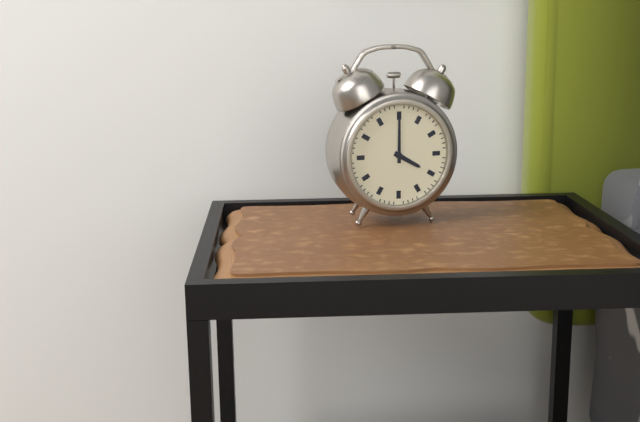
4:00
